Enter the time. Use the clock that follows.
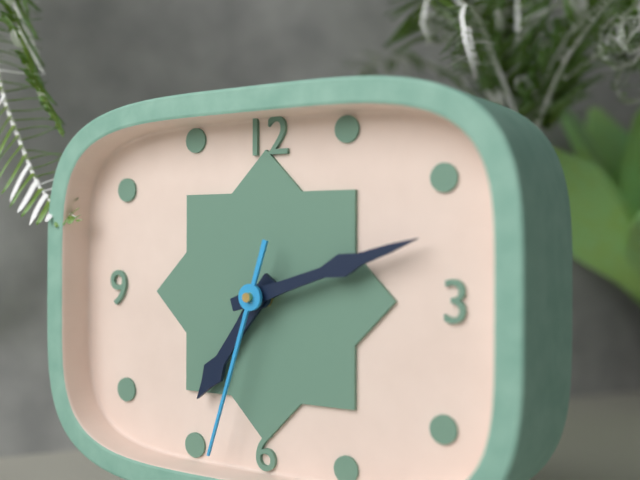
7:12:33
